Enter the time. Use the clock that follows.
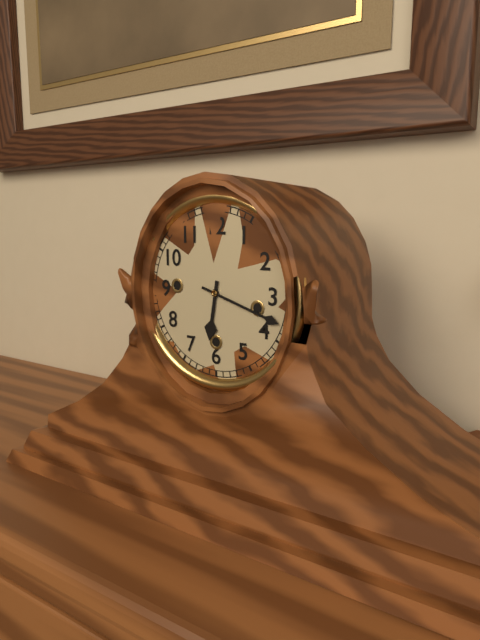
6:18
